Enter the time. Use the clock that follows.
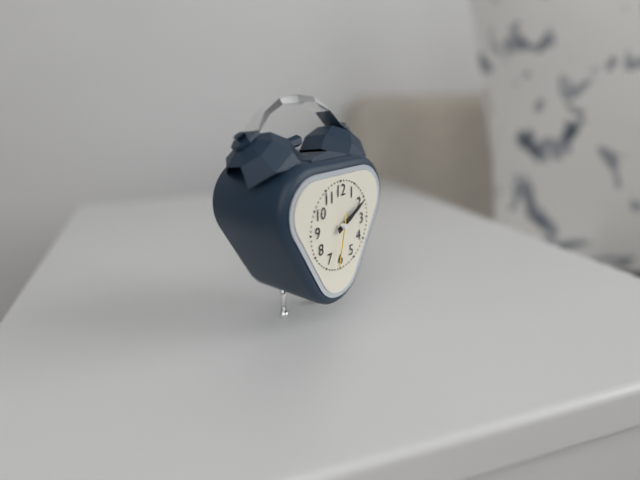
2:10:32
